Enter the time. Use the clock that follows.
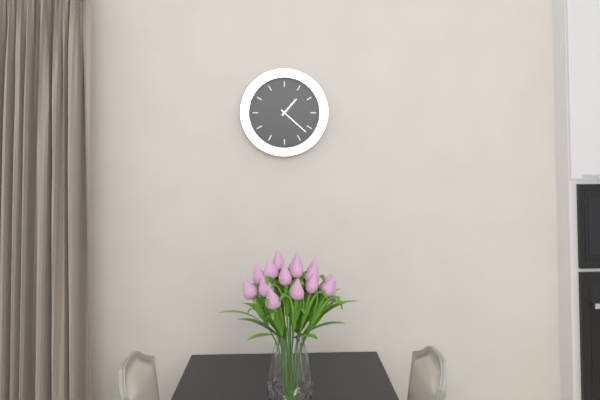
1:22
